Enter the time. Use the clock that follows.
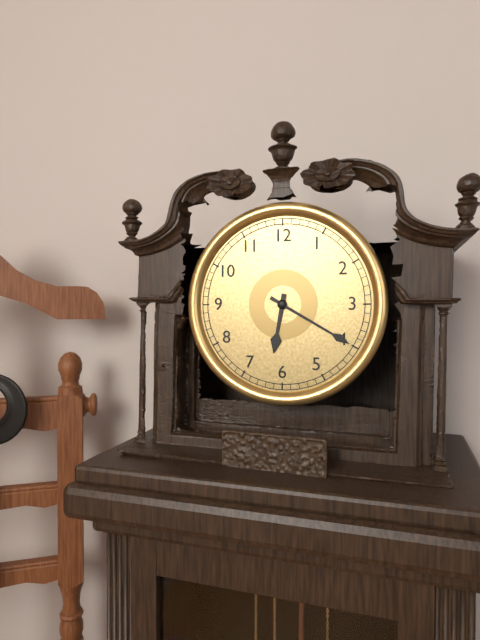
6:20
